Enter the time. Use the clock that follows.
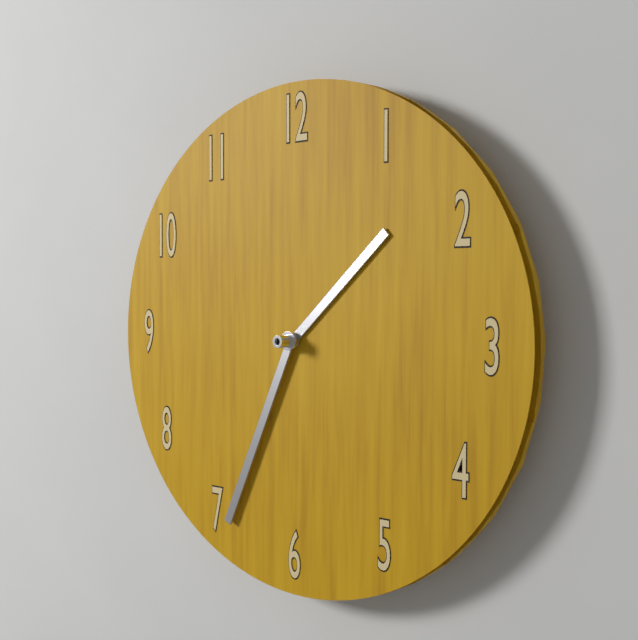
1:34
